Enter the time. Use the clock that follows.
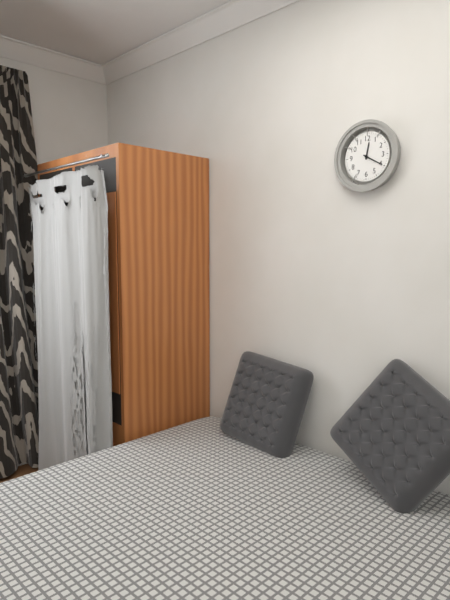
12:20
